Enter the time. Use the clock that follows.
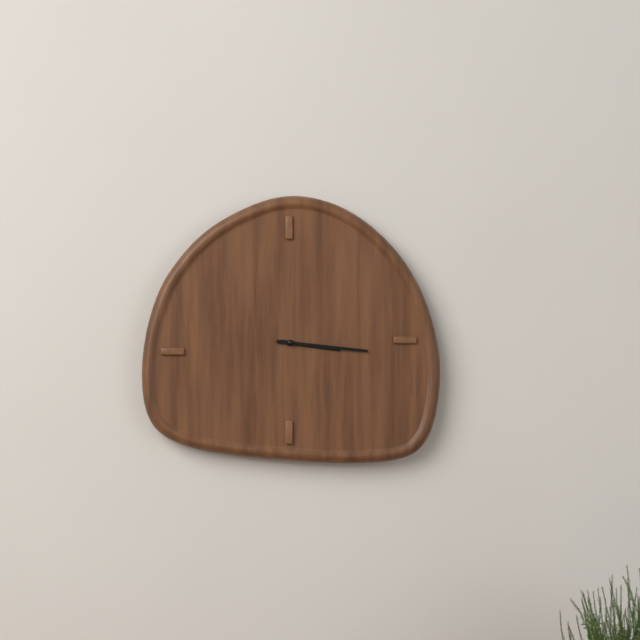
3:16
